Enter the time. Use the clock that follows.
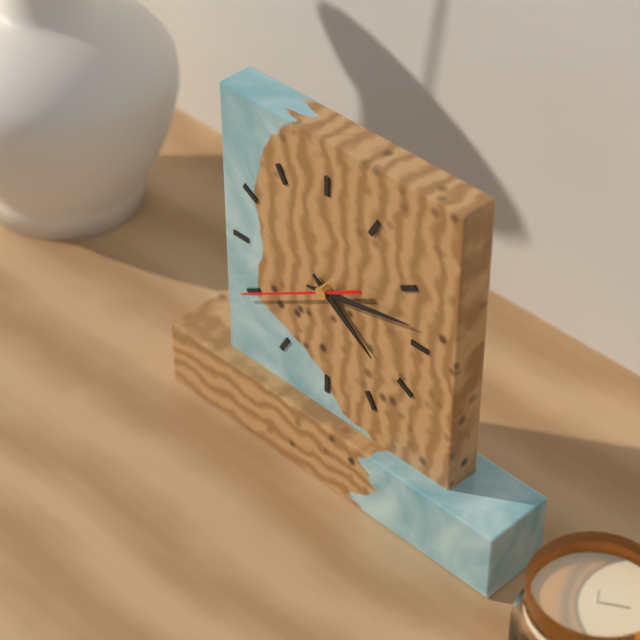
4:13:40
